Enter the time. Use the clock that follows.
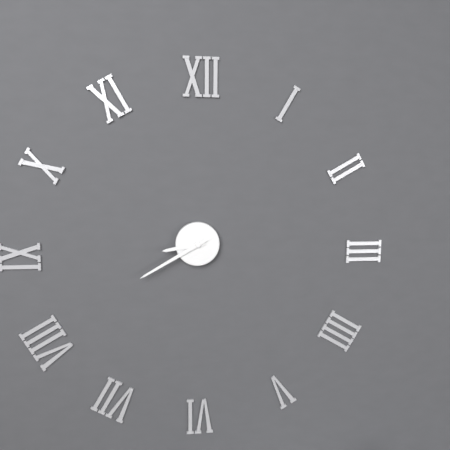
8:40
